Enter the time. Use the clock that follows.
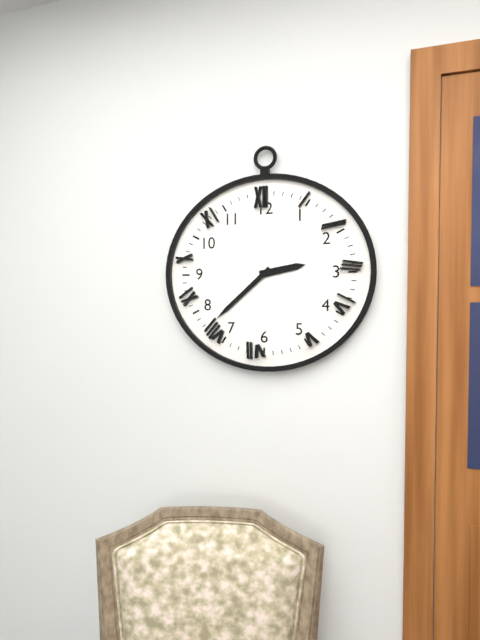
2:38
